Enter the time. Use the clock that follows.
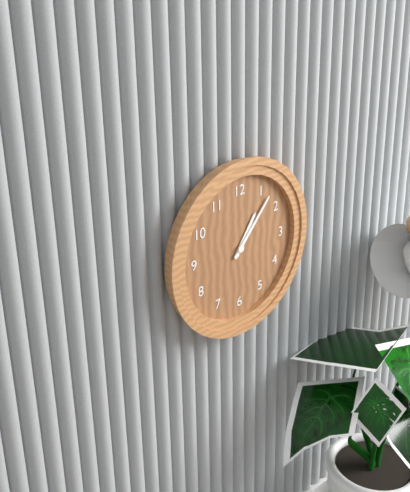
1:07
